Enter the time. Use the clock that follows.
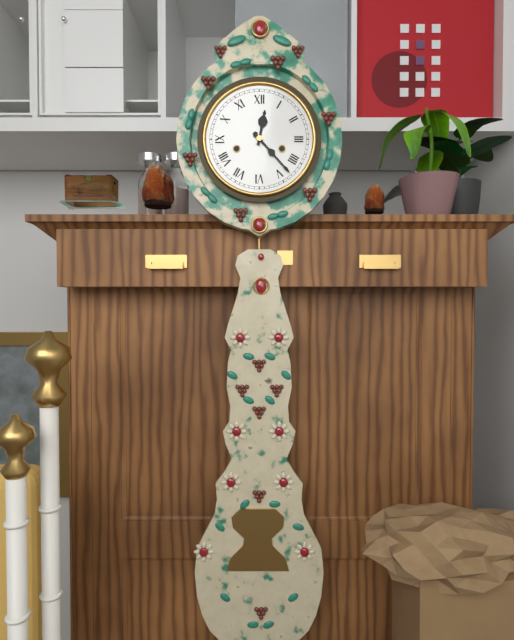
12:23
